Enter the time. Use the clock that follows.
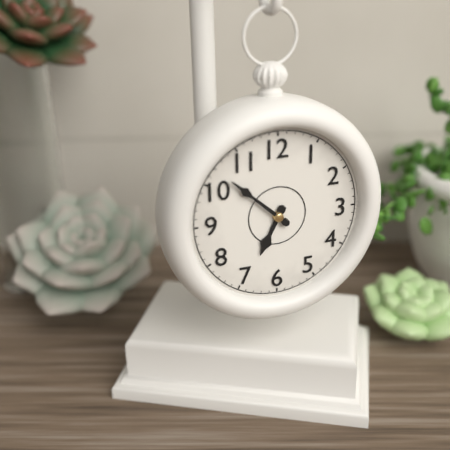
6:52
